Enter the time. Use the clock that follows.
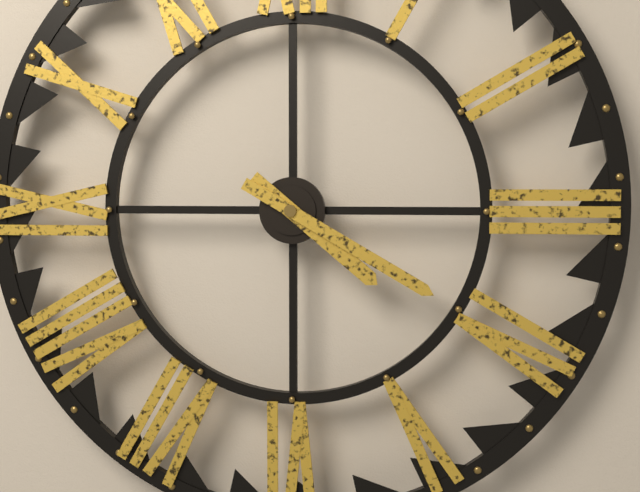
4:20
